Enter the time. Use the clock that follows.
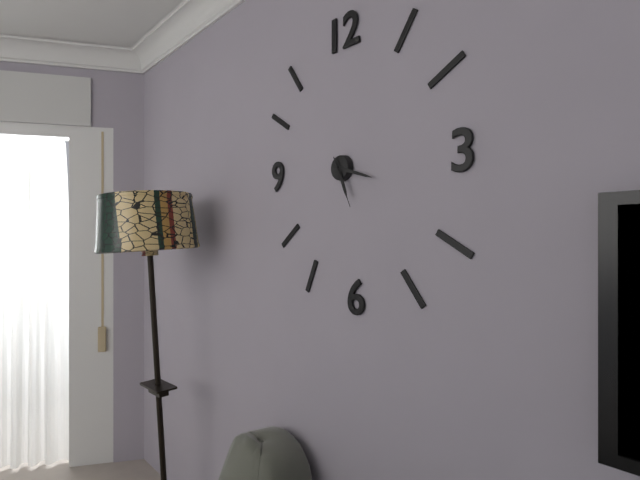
5:18:26
